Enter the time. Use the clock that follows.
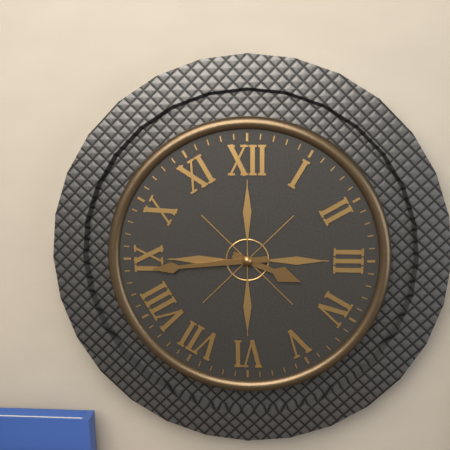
3:44
